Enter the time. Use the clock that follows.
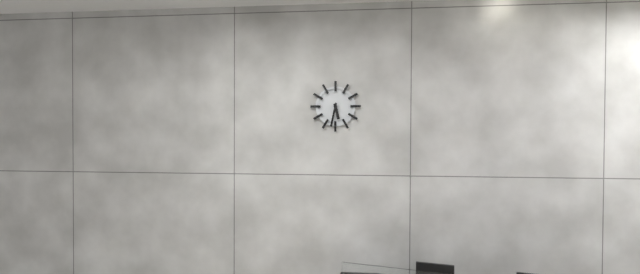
5:32
